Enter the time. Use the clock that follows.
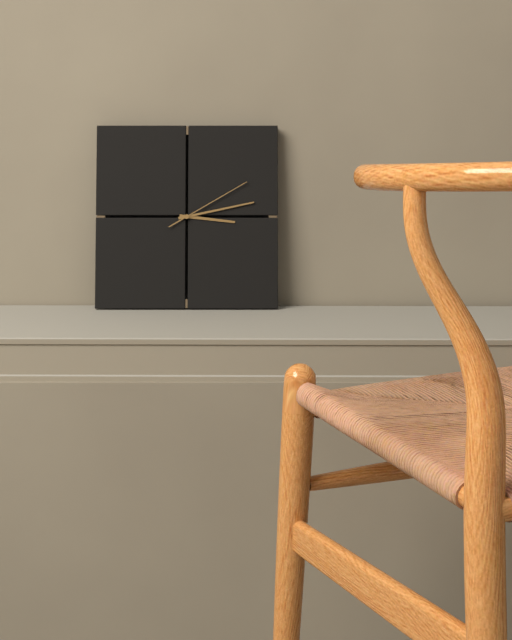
3:13:10
